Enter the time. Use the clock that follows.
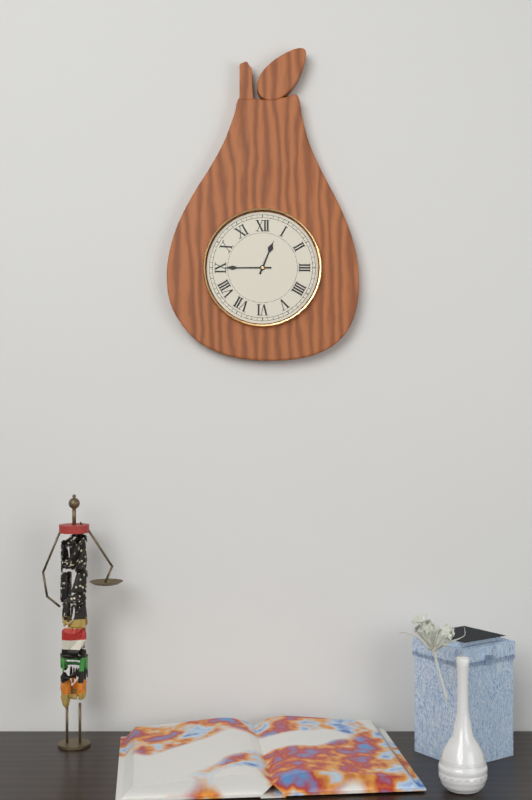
12:45
